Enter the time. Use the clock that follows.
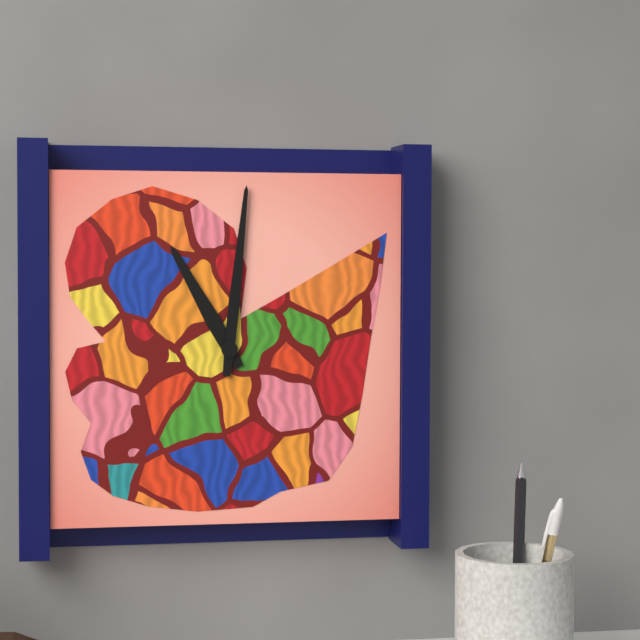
11:01
